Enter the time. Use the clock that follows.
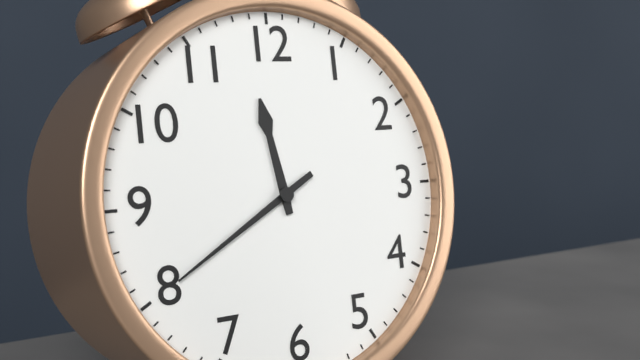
11:40
